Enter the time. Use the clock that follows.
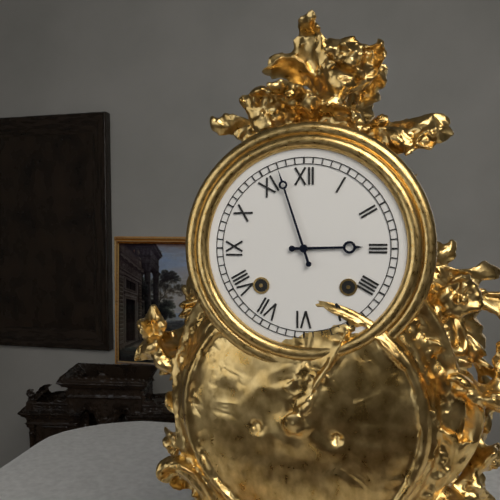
2:57
